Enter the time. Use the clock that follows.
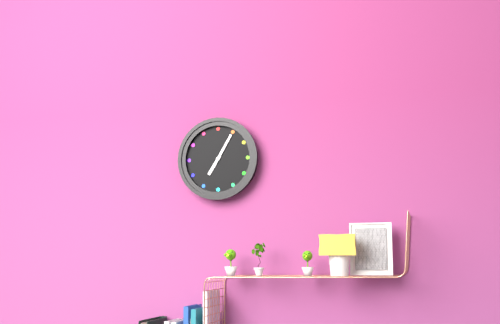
7:05
